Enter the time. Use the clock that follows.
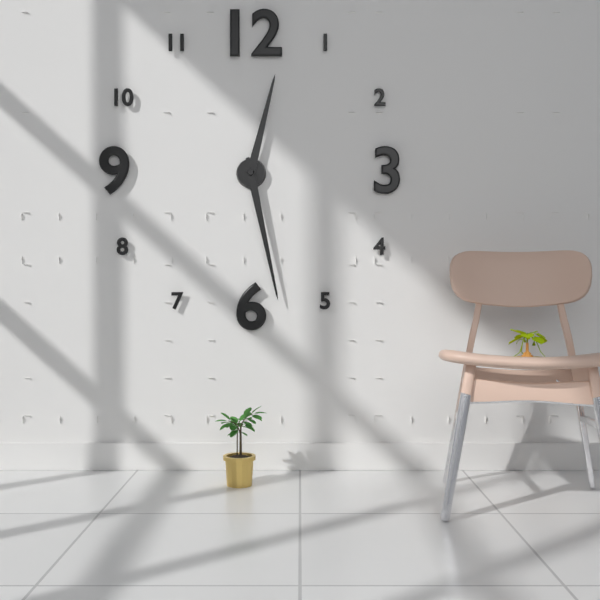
12:28
